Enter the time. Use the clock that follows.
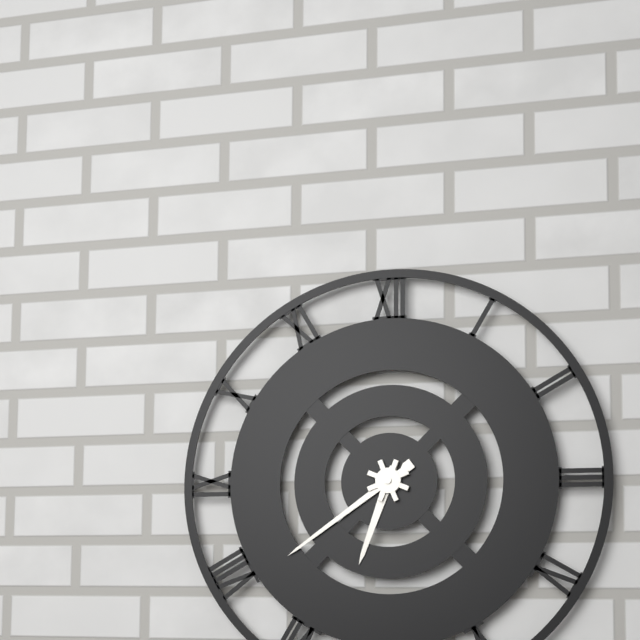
6:39
